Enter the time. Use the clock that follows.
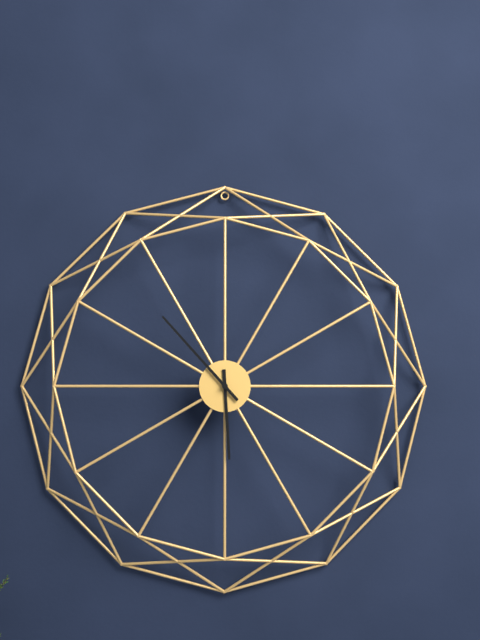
5:53
